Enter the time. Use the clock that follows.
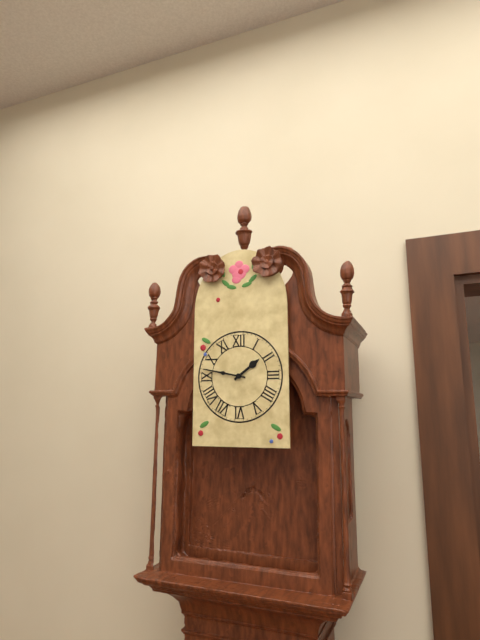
1:47
